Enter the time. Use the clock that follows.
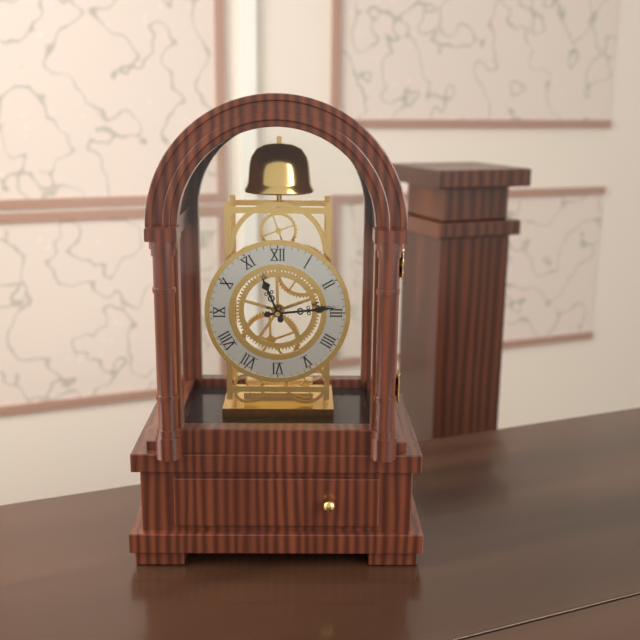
11:14
